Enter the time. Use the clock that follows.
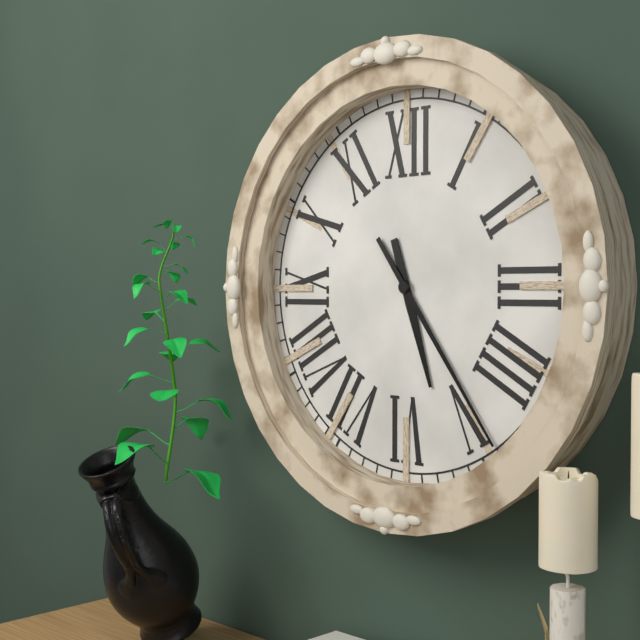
5:24
